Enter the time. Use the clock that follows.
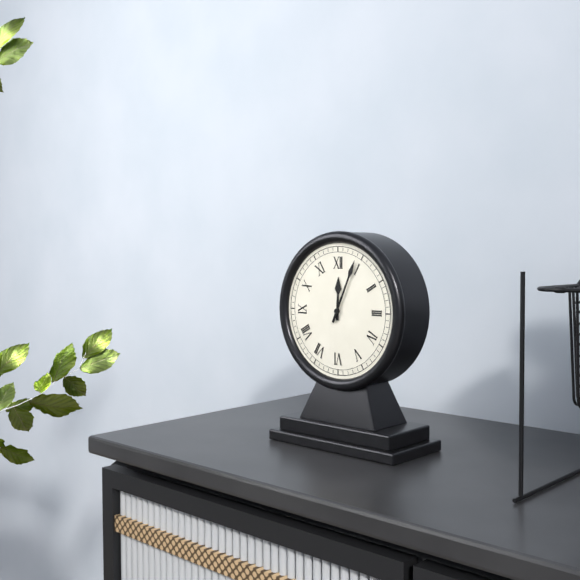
12:04
